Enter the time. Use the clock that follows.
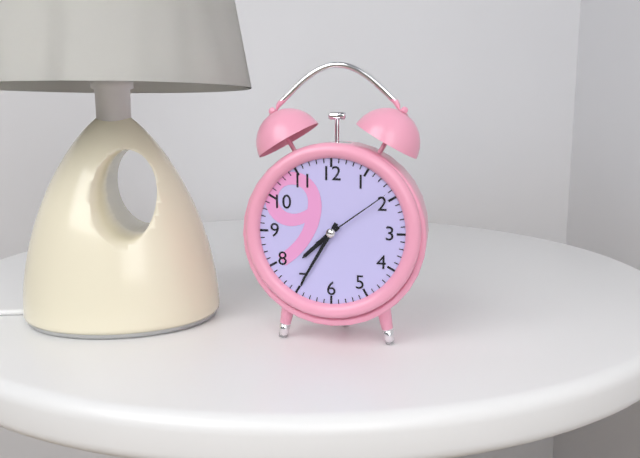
7:35:09
